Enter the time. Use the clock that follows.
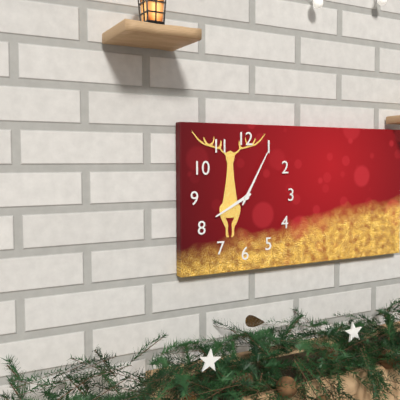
8:05
